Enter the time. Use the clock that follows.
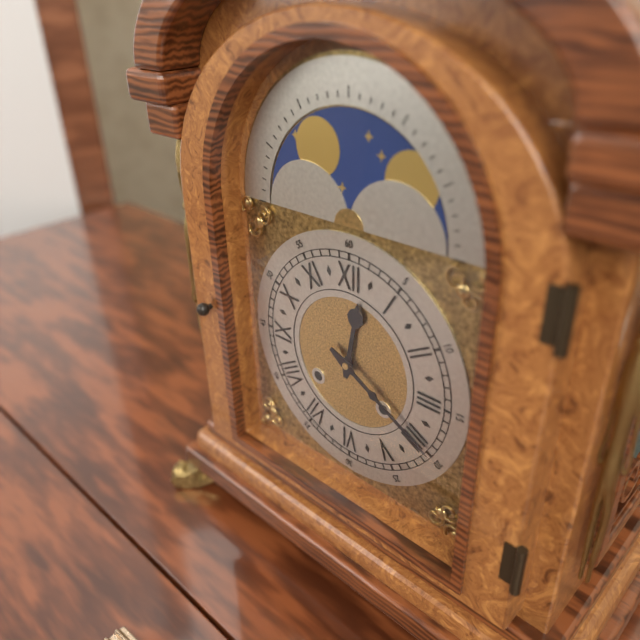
12:20
